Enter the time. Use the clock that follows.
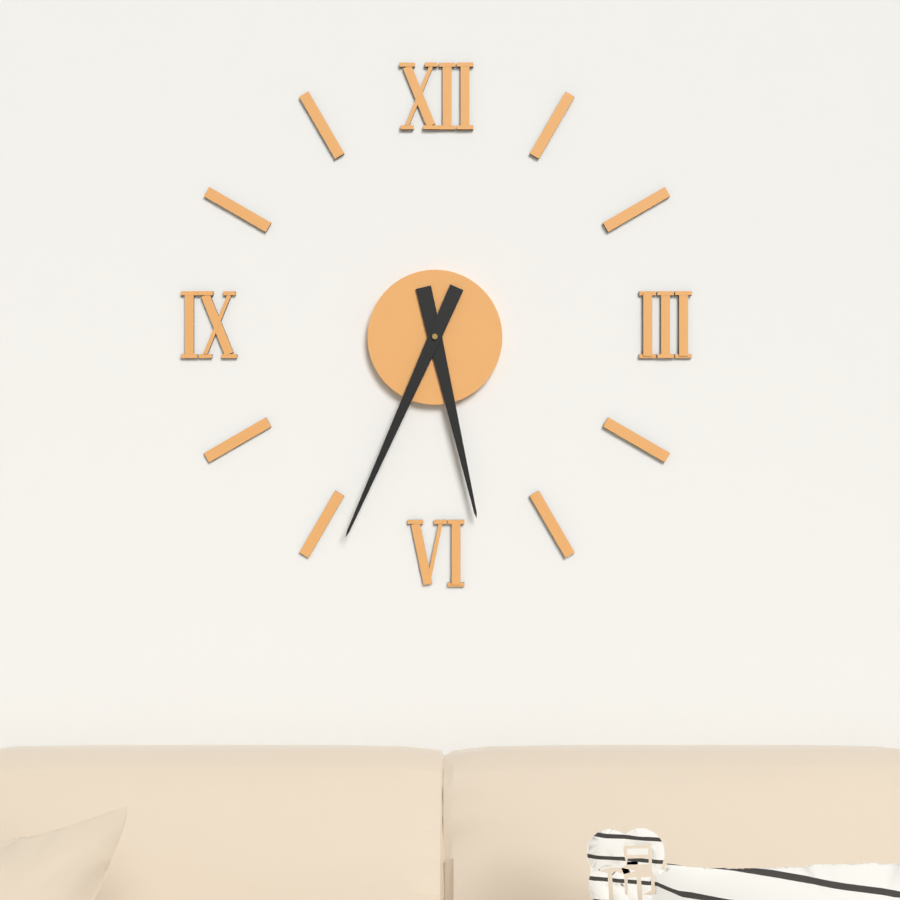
5:34
